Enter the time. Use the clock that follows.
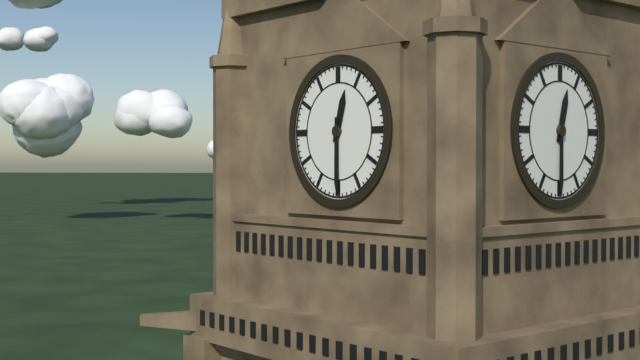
12:30
